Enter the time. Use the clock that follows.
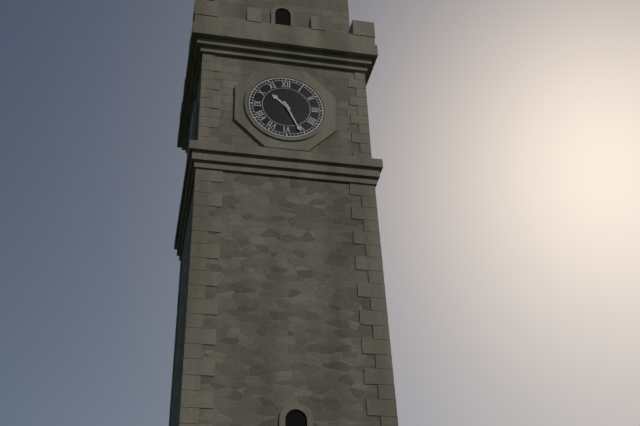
10:26
